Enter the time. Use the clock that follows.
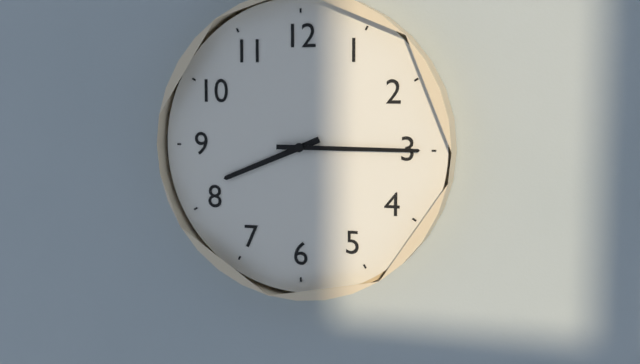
8:15
